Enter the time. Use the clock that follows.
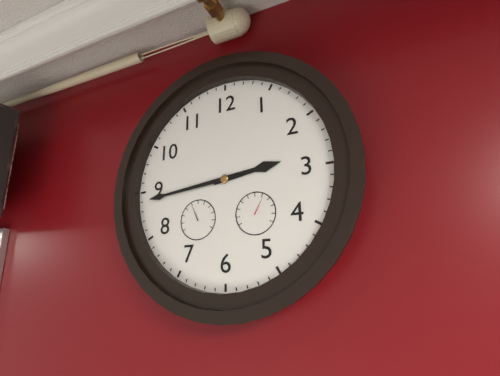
2:44
